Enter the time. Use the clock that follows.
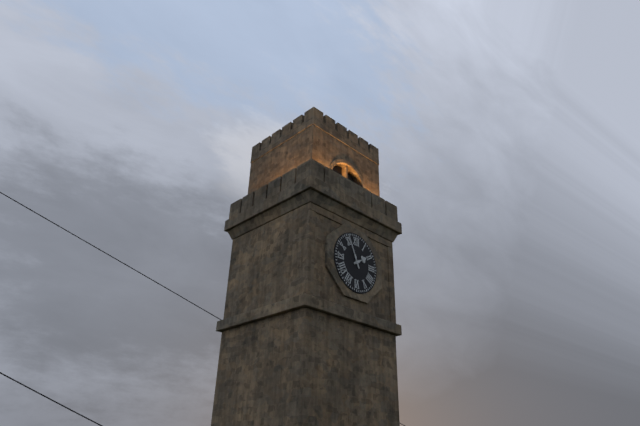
1:56
